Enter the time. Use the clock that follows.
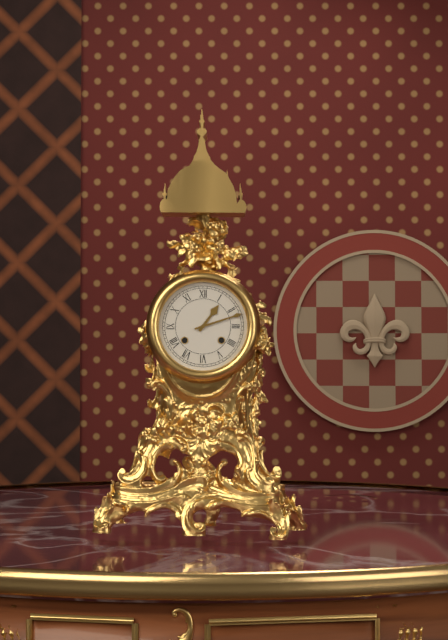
1:12
